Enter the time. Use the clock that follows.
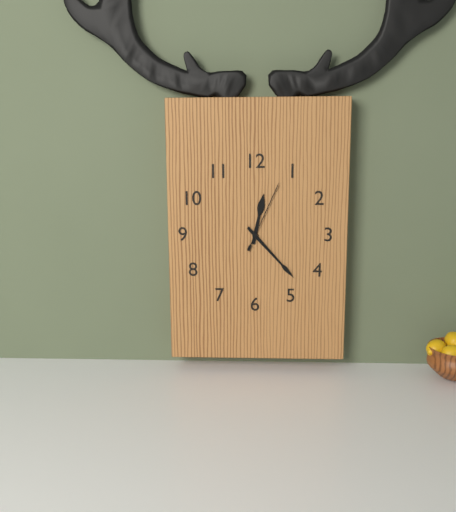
12:23:04
